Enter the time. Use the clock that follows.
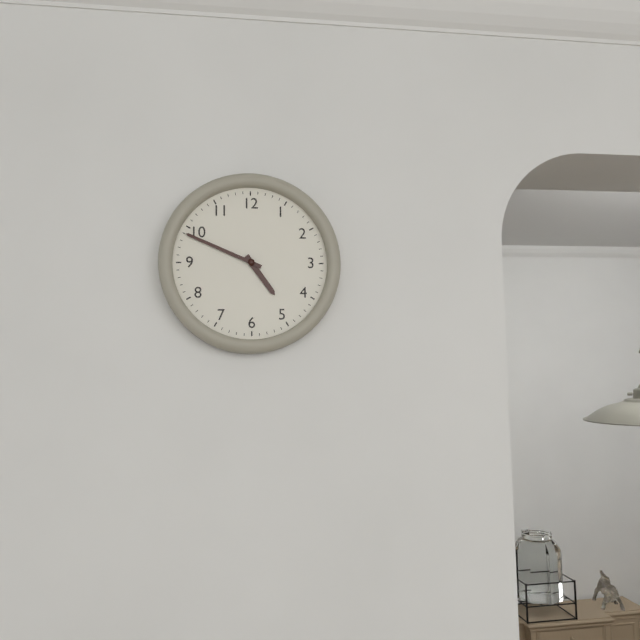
4:49
